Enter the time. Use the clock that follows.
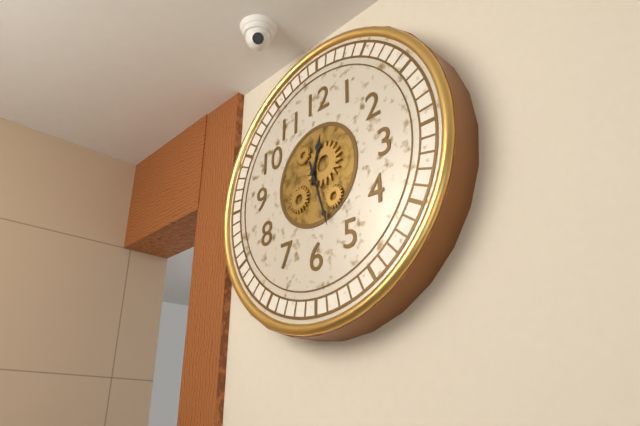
12:27
